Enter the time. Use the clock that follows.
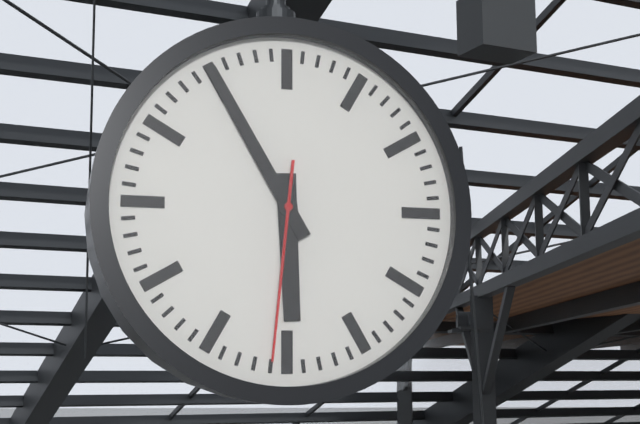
5:55:31
